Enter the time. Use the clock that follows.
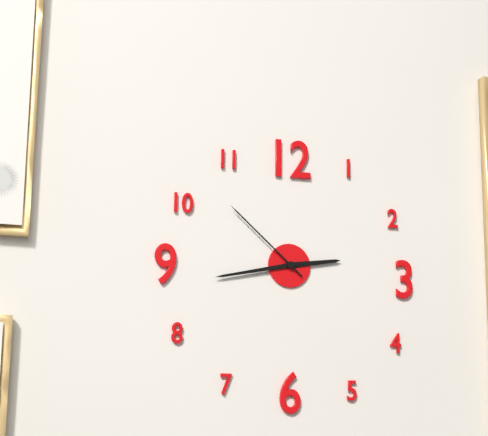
2:43:52
